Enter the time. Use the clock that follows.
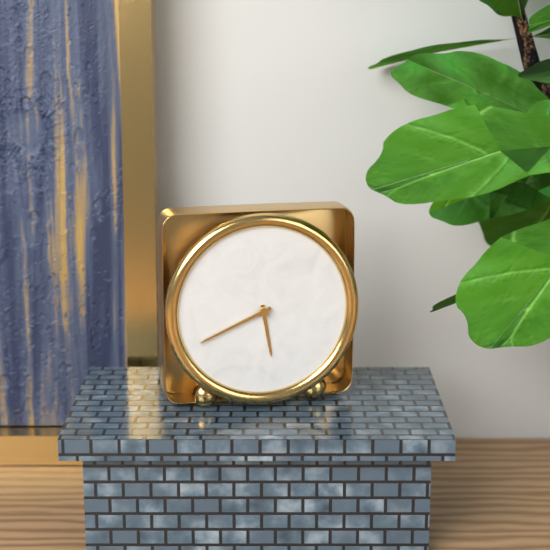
5:41
